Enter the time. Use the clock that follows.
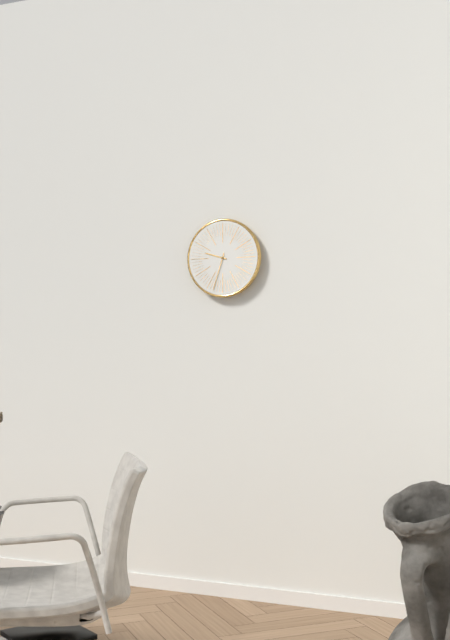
9:33
